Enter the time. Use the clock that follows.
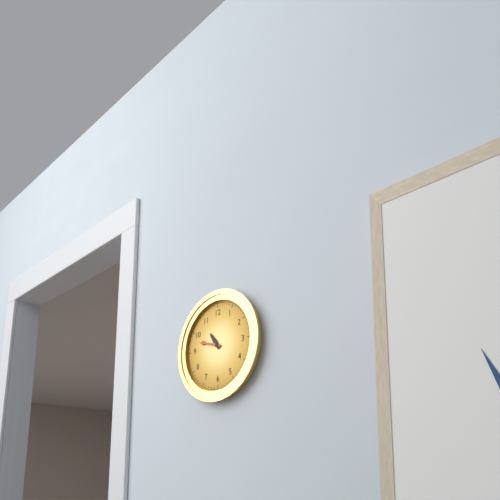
10:48
